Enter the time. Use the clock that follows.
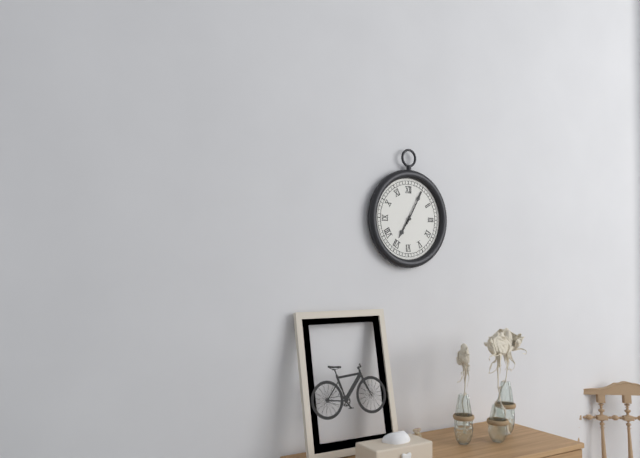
7:05
